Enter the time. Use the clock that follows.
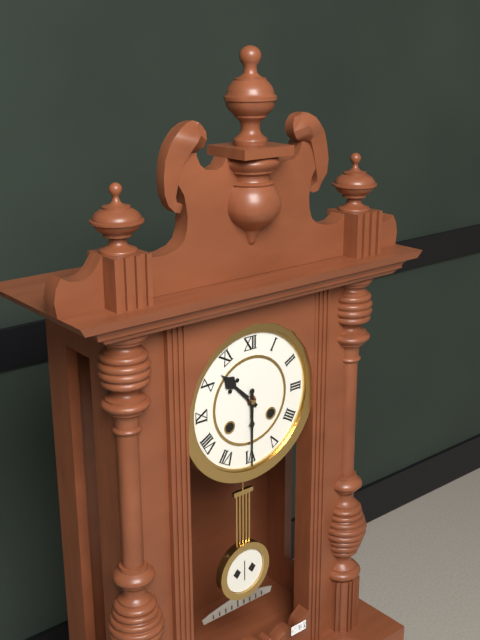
10:30
